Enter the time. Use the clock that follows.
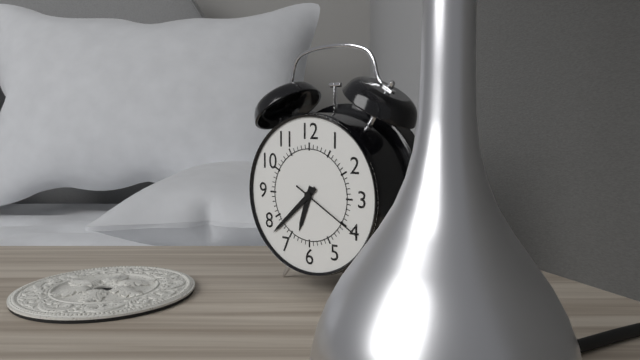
6:38:20
